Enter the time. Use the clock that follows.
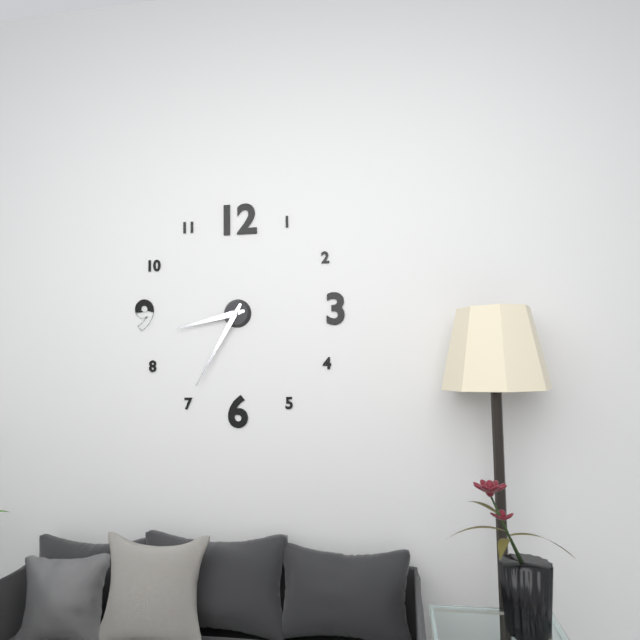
8:35
